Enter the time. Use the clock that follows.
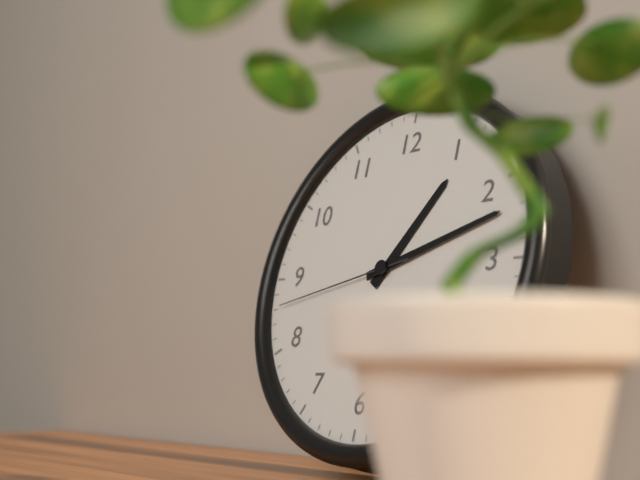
1:12:43
